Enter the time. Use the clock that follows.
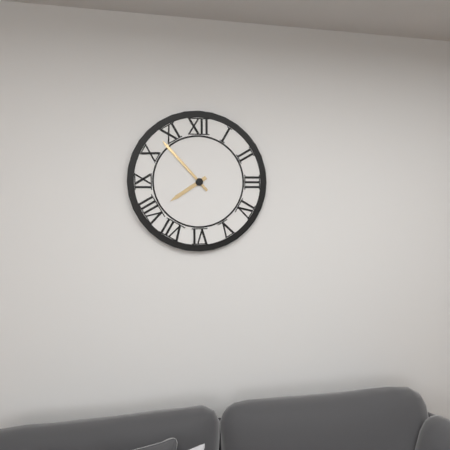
7:53
